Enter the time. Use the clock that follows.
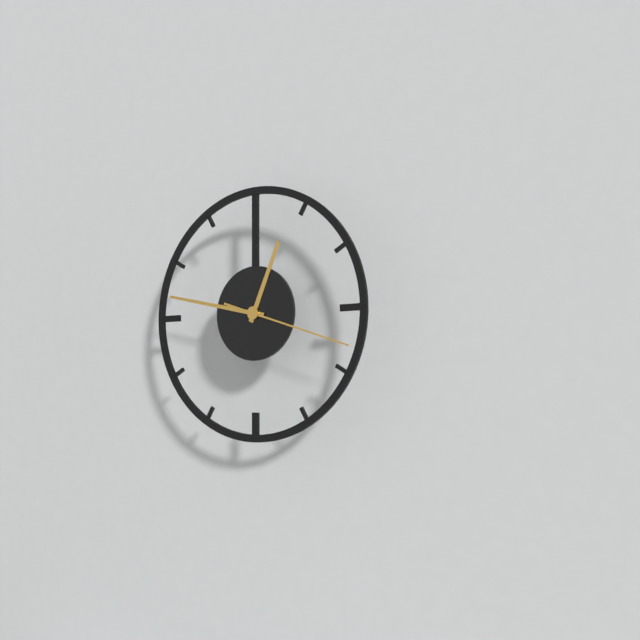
12:47:18
